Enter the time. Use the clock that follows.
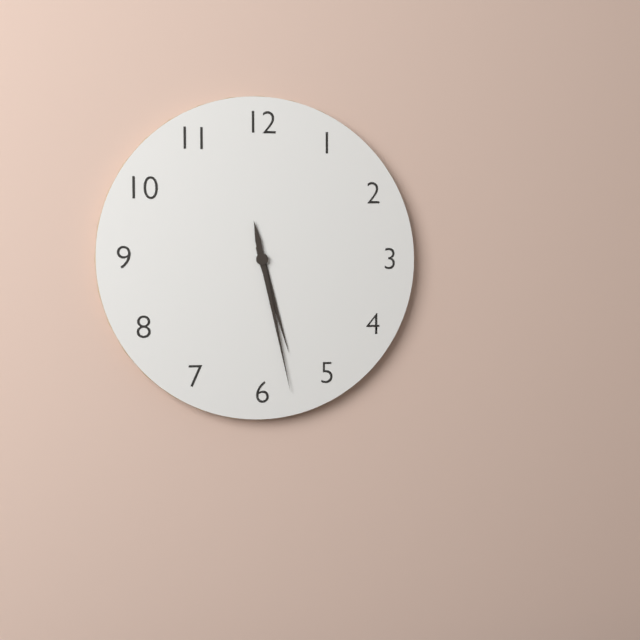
5:28
